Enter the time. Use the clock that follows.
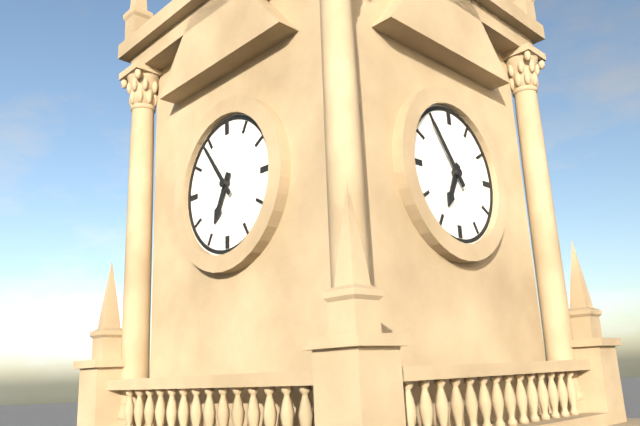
6:54
